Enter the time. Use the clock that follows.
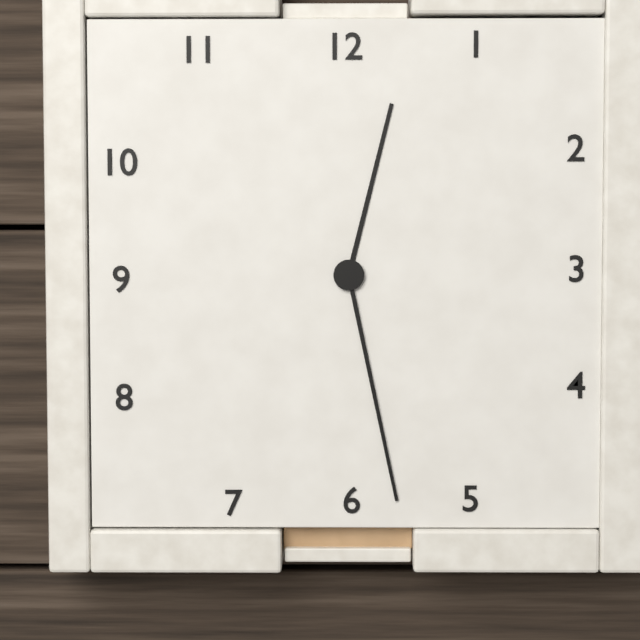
12:28
